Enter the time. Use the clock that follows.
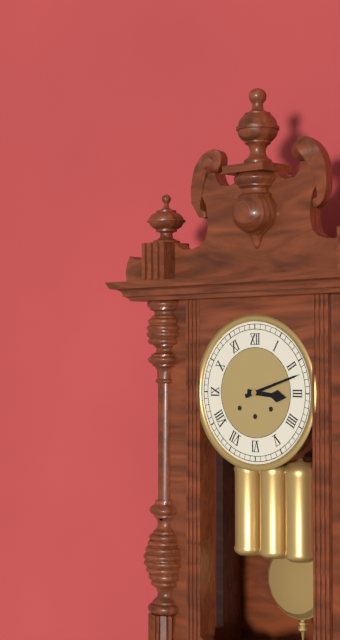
3:12
